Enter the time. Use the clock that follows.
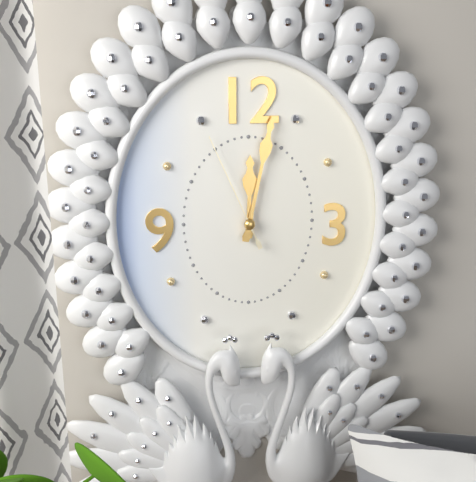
12:02:56
